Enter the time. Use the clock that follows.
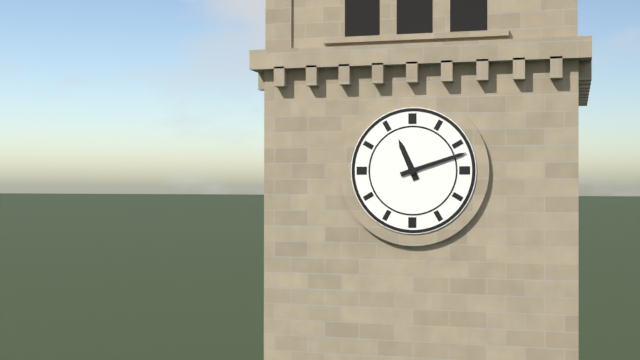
11:12
